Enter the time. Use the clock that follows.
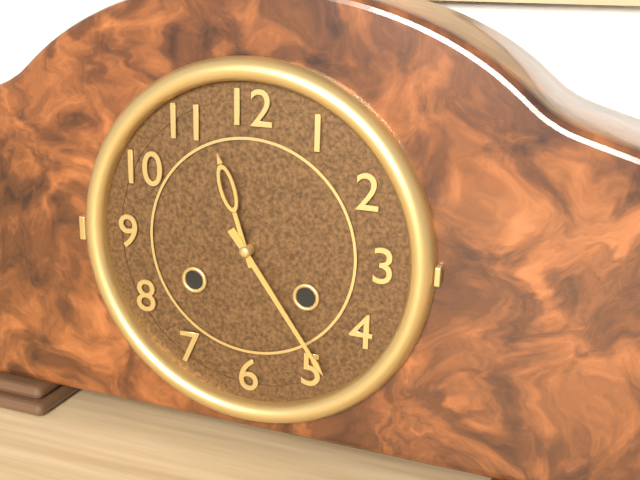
11:24
